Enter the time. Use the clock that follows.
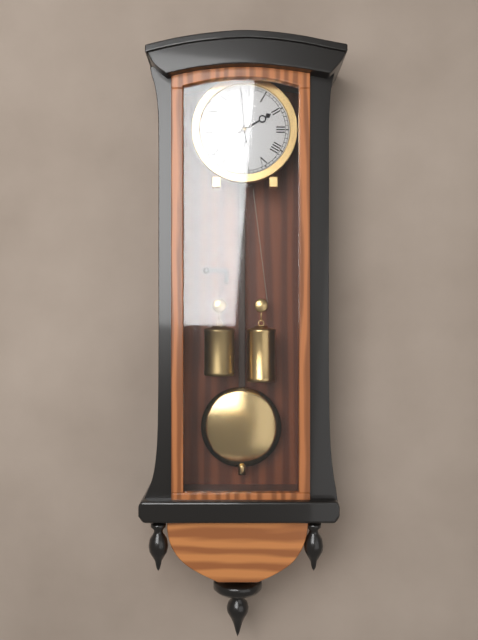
1:59
